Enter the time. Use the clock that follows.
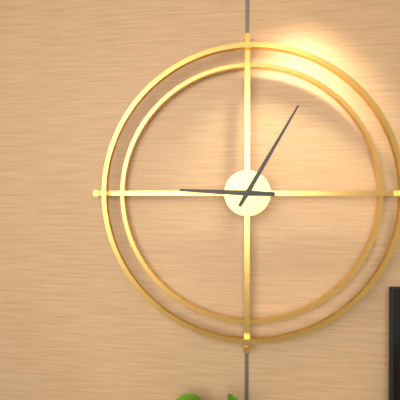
9:05
